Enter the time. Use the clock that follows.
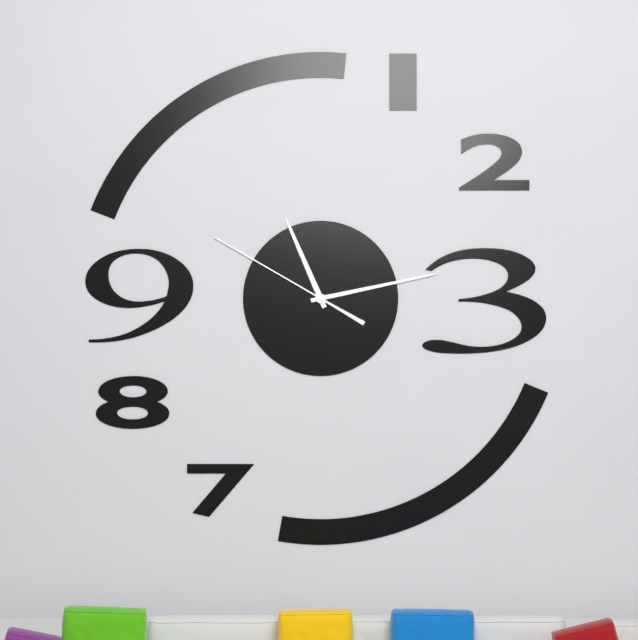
11:13:50
